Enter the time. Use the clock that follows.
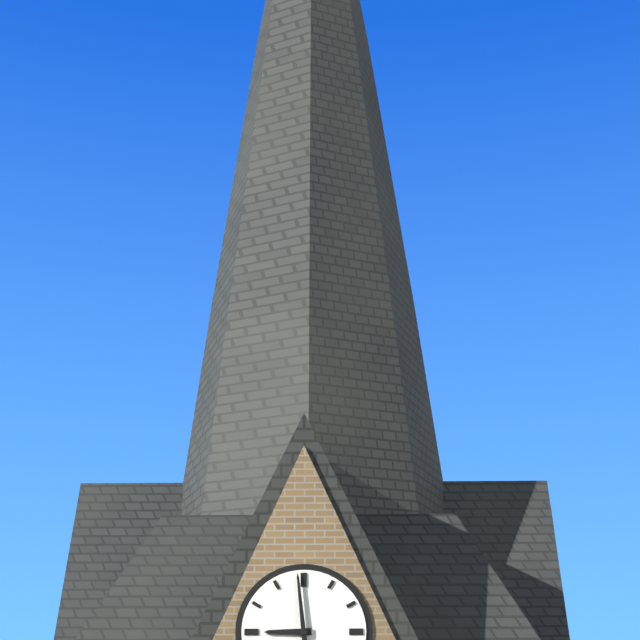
8:59
